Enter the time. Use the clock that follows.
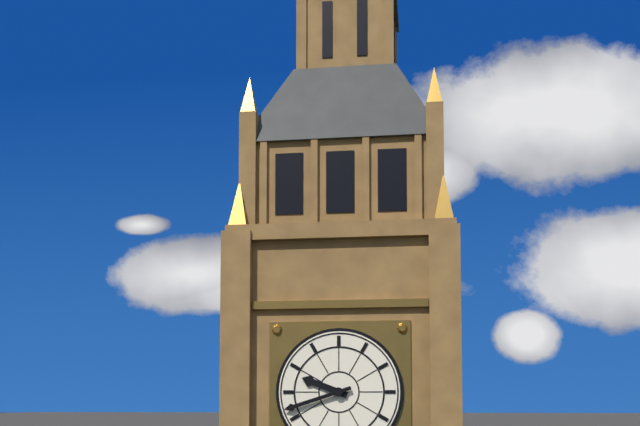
9:42
